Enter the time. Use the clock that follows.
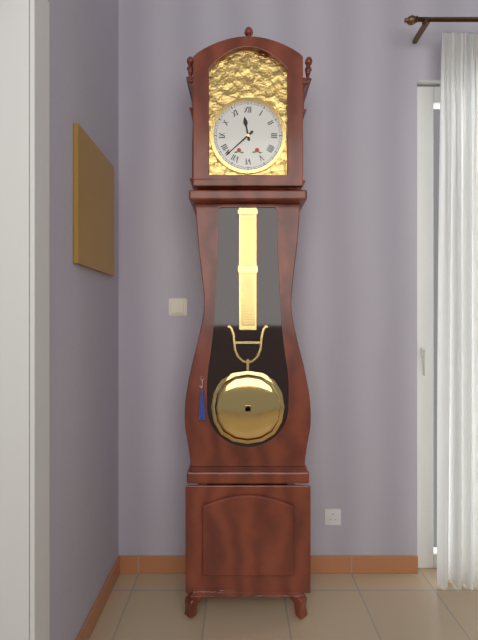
11:38
